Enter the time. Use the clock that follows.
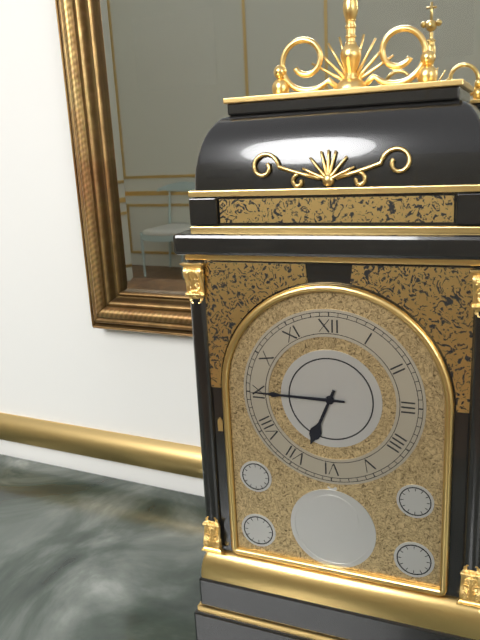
6:45
